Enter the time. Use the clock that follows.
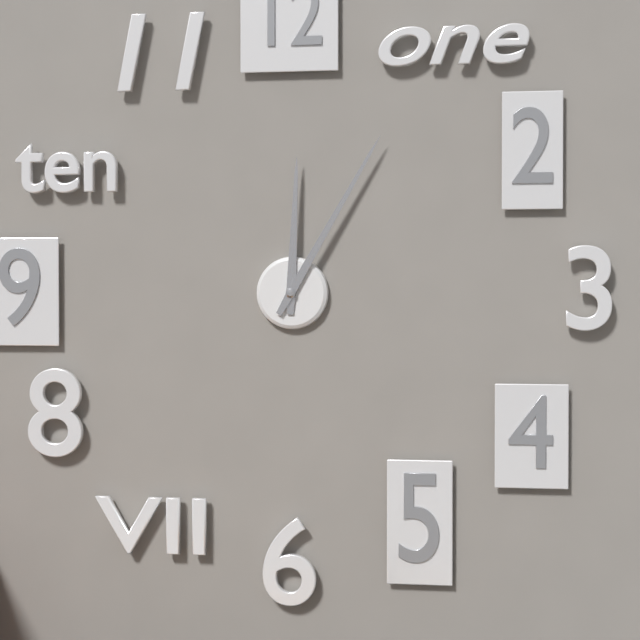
12:05
